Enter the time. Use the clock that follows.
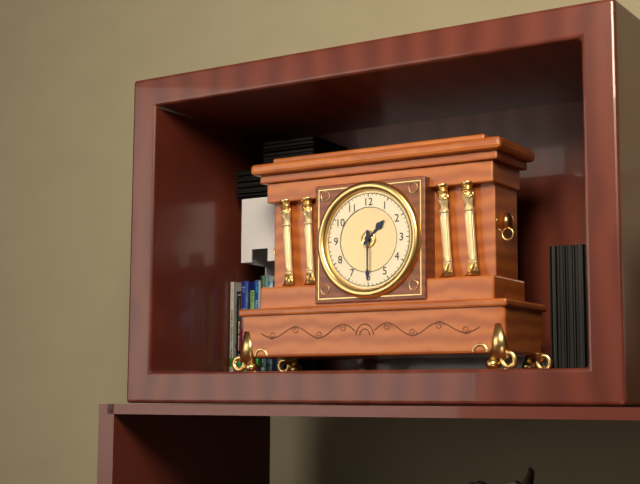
1:30
